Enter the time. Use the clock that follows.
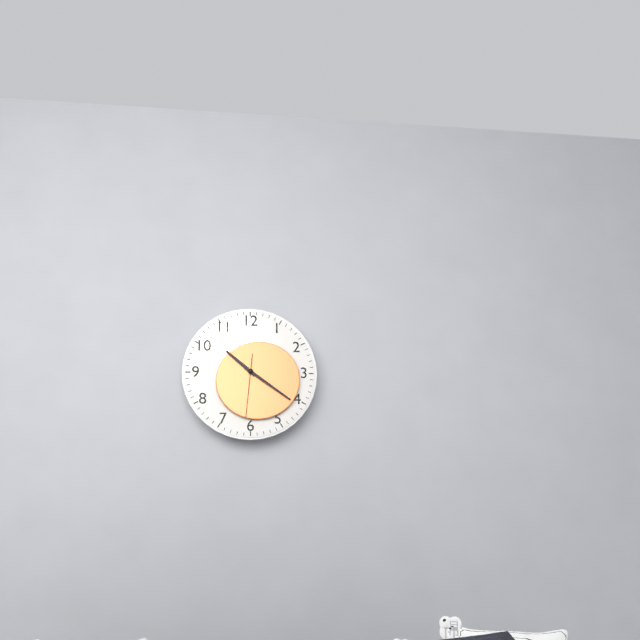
10:21:31
